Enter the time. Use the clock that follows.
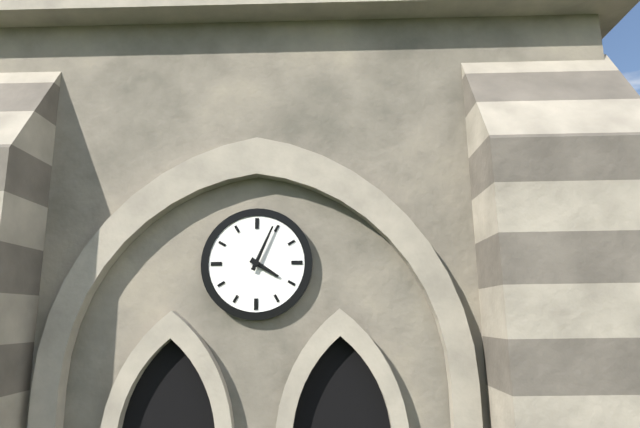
4:04
